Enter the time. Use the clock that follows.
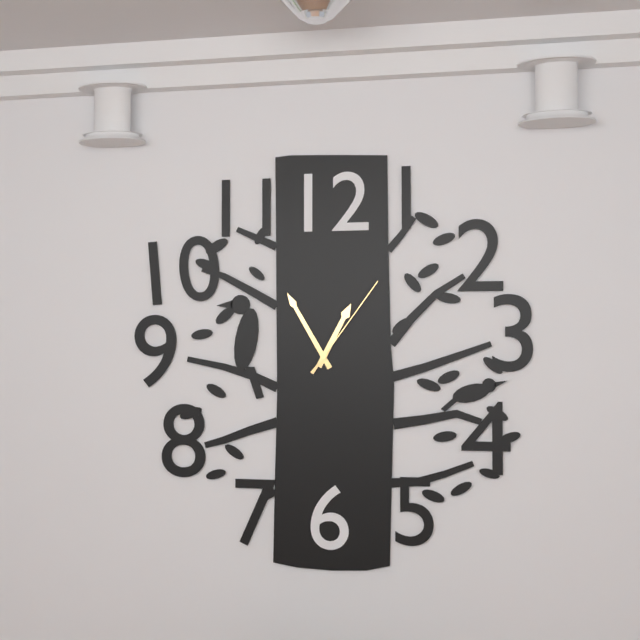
12:55:06
